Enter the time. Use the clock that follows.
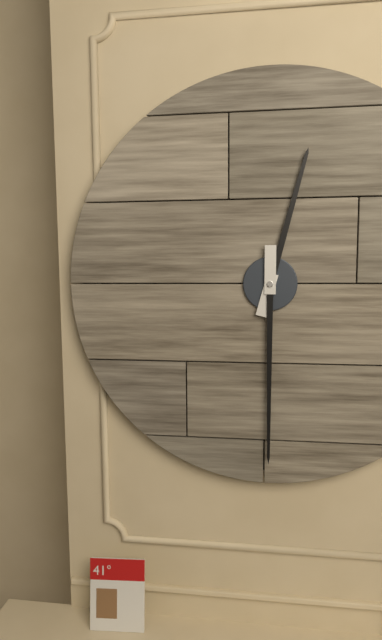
12:30
